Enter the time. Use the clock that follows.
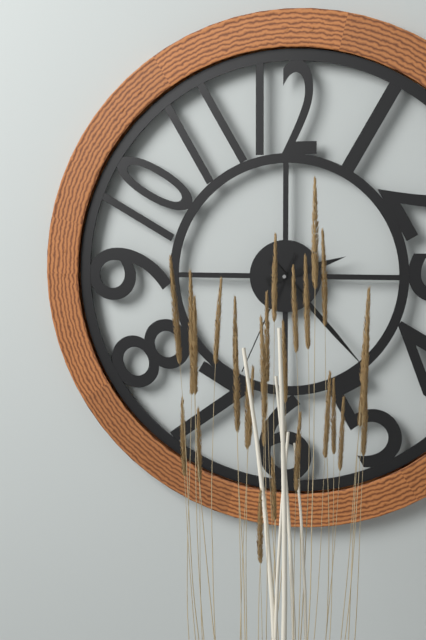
2:23:34
